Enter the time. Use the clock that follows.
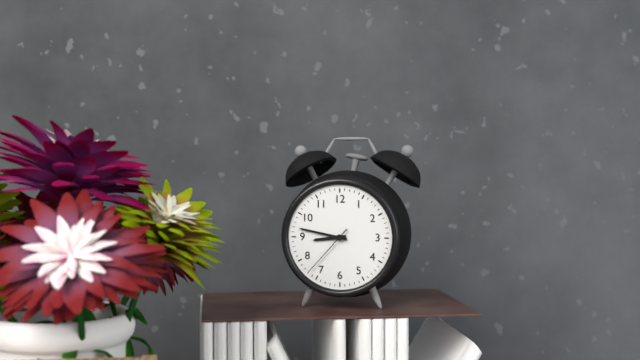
8:47:37
